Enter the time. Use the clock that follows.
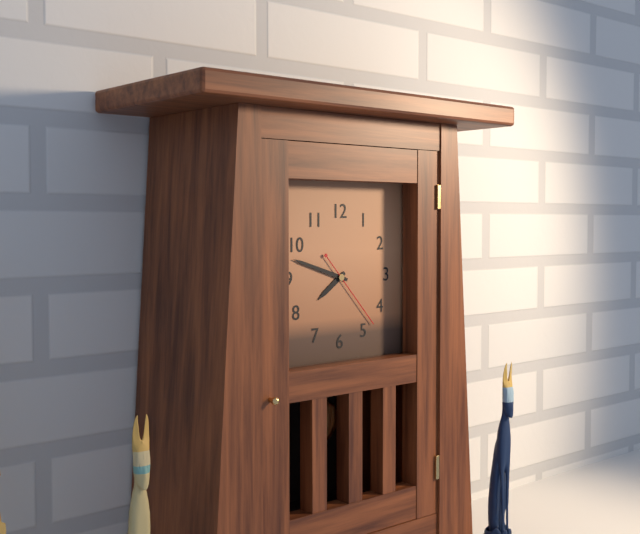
7:48:23
